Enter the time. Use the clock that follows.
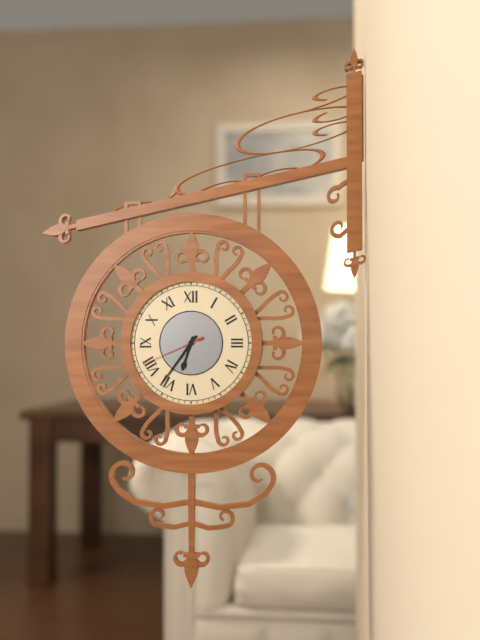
6:36:41
